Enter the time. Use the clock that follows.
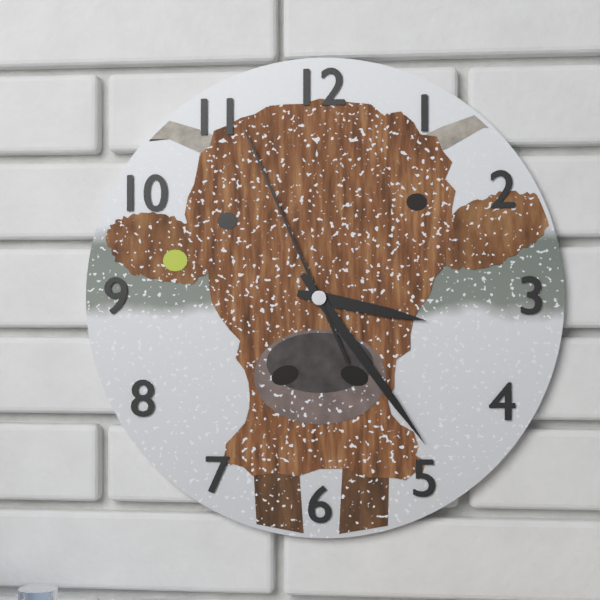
3:24:56
